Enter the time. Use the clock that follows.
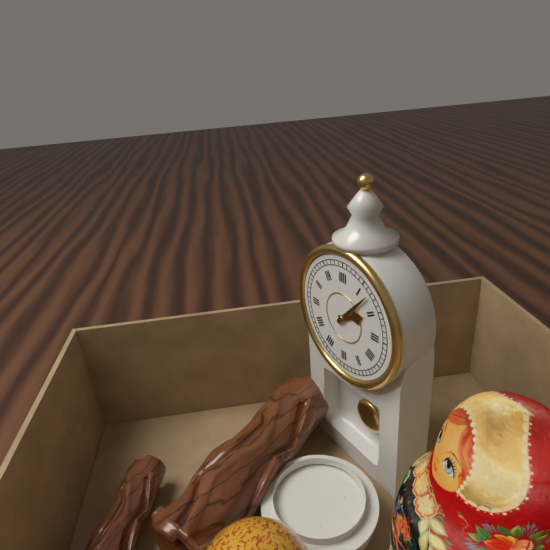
2:07
